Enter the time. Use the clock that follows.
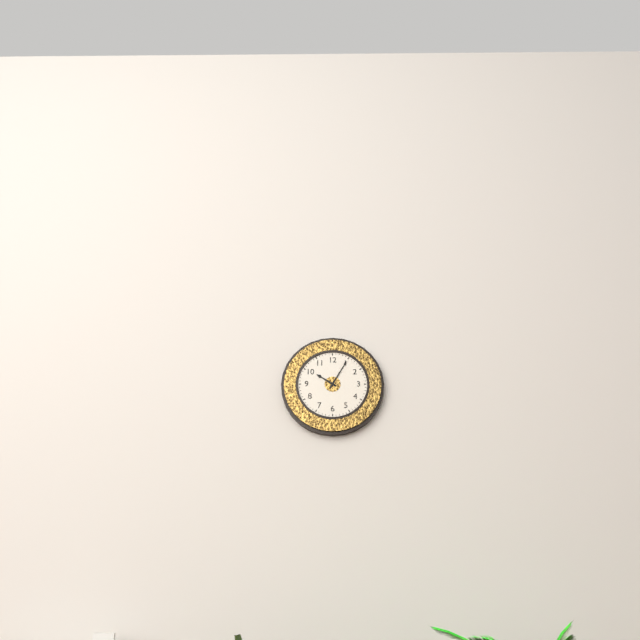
10:05
